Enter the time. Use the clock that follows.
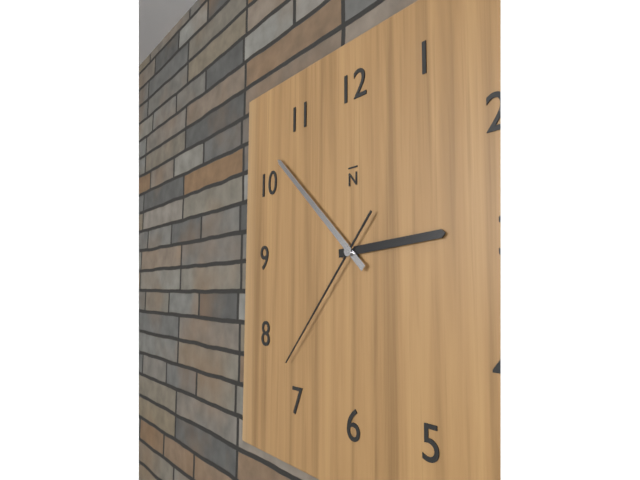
2:52:37
